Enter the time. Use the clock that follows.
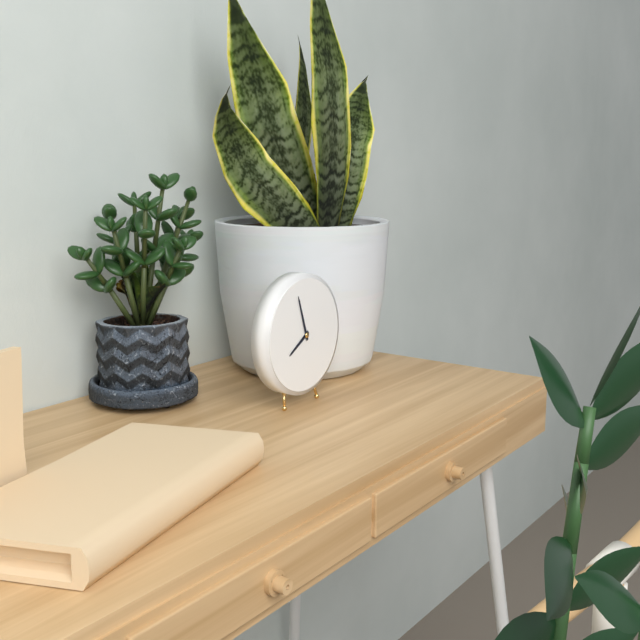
7:57
